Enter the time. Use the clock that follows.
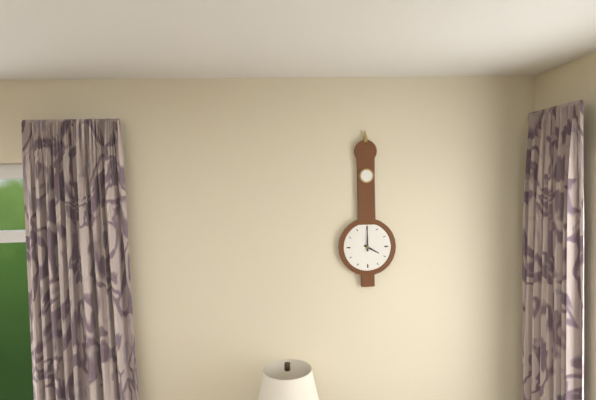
4:00
